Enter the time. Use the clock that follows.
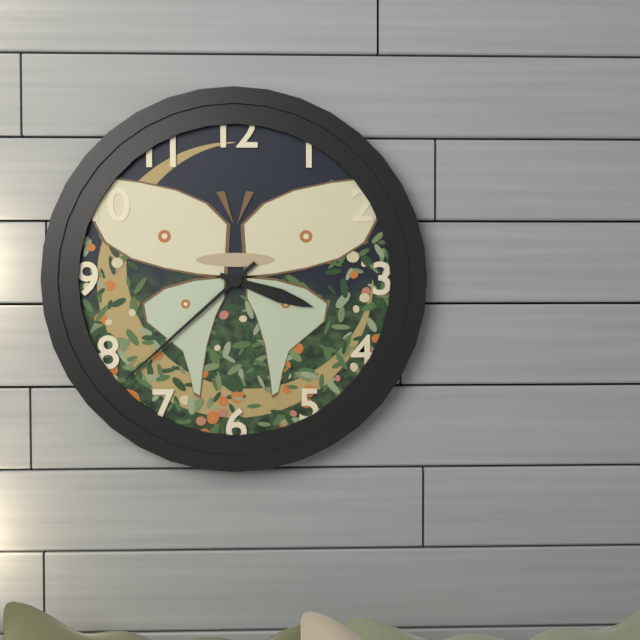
3:38
